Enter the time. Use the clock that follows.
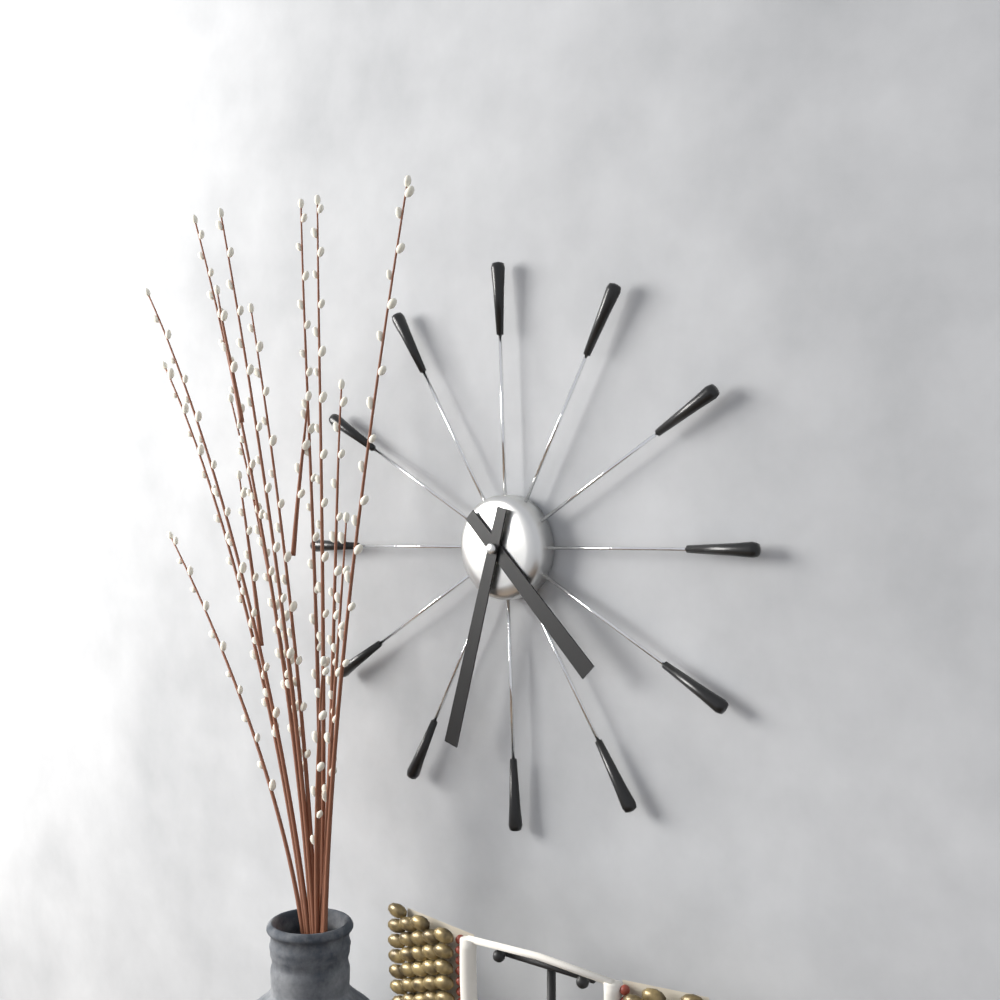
4:33
